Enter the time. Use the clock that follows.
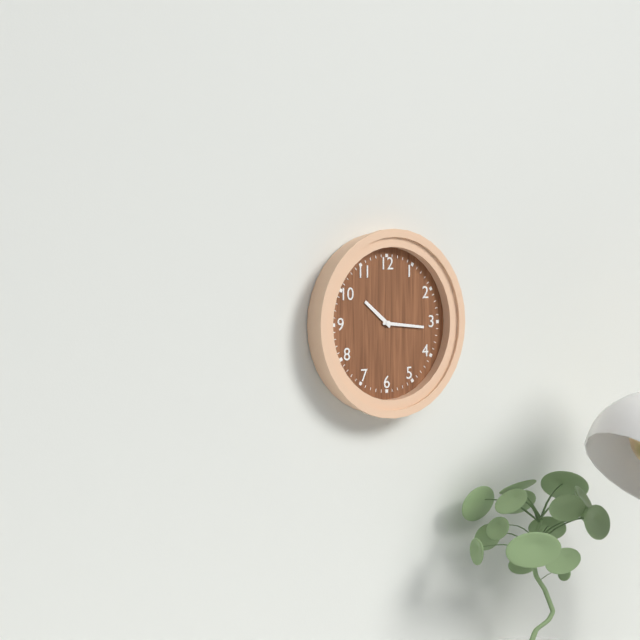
10:16
